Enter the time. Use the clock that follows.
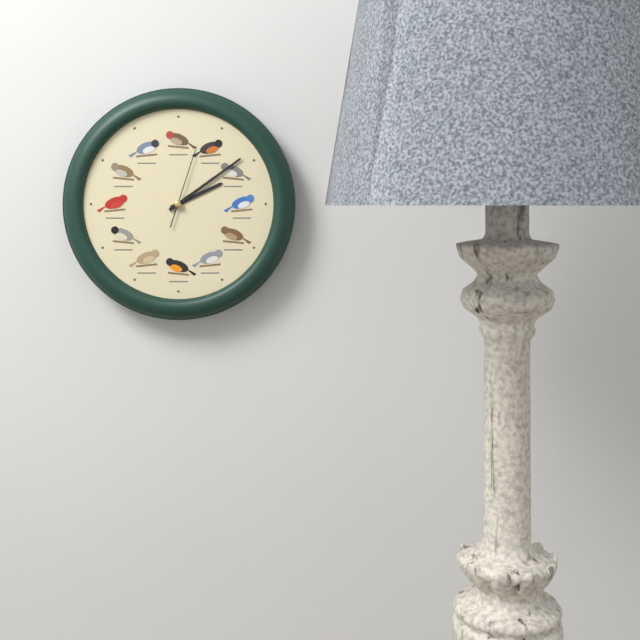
2:09:03
